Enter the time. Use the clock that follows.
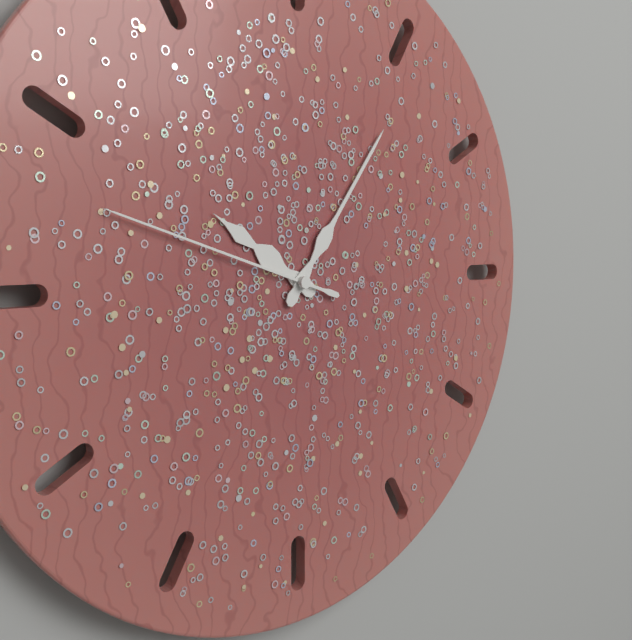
10:06:48
